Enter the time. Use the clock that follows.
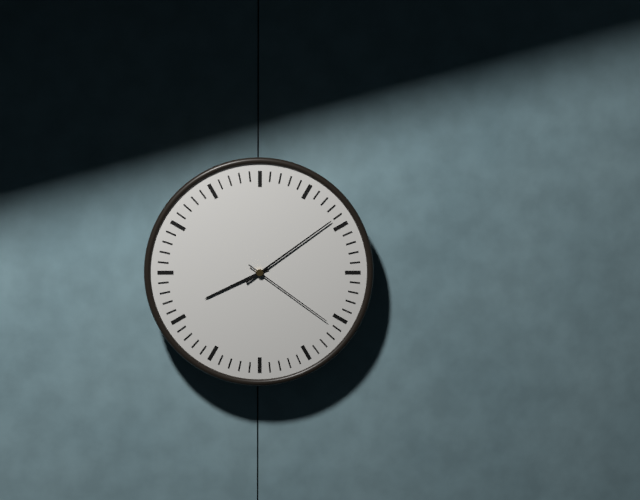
8:09:21
